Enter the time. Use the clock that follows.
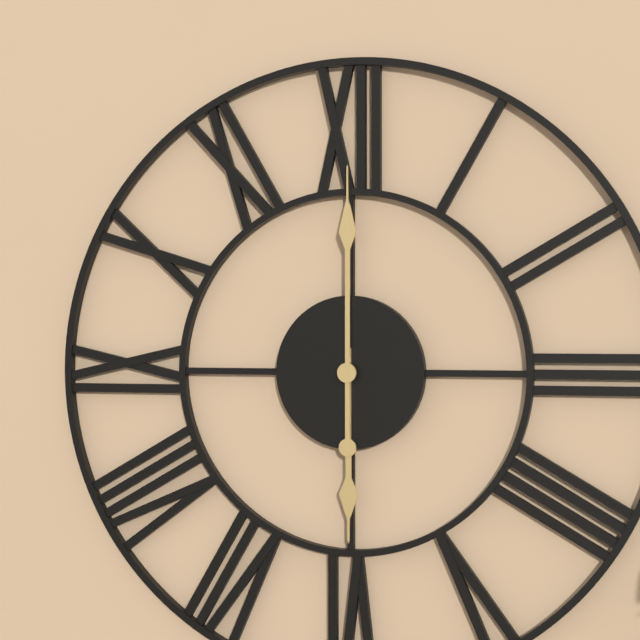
6:00
